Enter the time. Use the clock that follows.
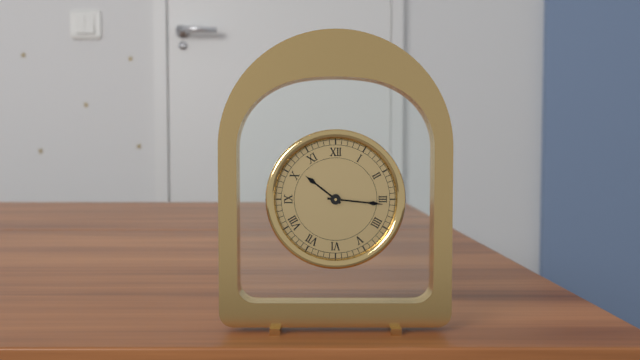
10:16
